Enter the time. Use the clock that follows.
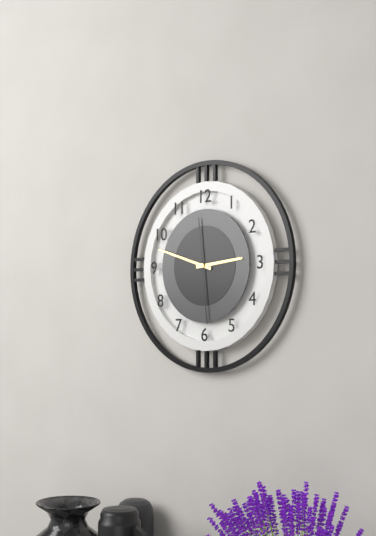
2:48:29
